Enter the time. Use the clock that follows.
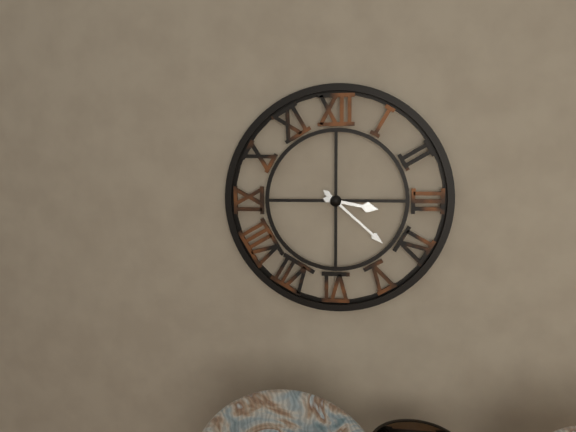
3:22
